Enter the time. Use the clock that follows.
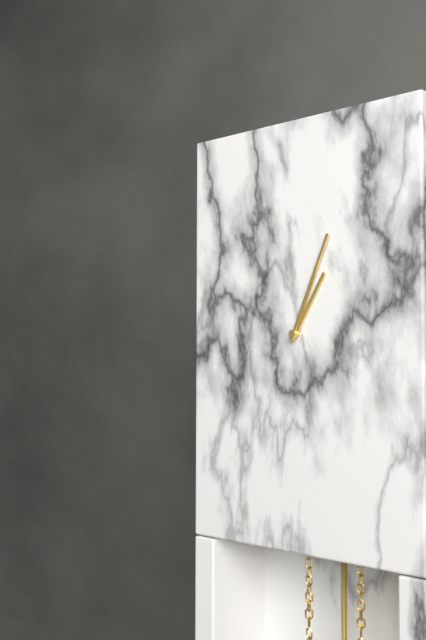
1:04
